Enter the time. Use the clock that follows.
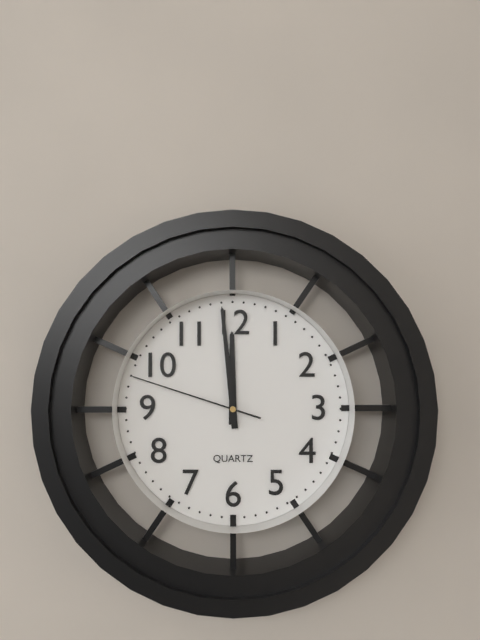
11:59:48
